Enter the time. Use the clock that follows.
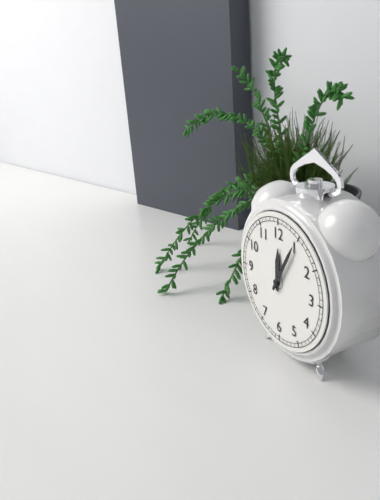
12:05
